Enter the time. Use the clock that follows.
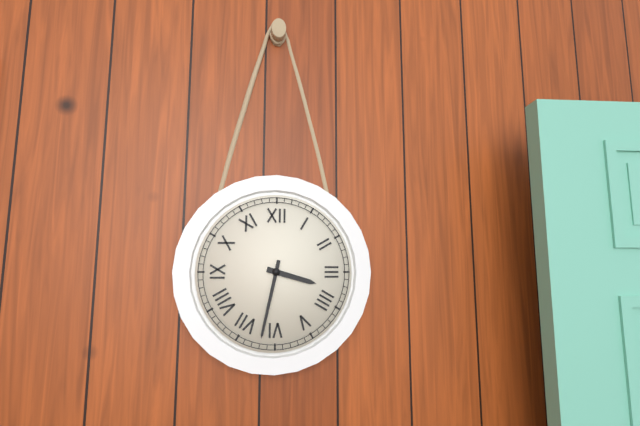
3:32
